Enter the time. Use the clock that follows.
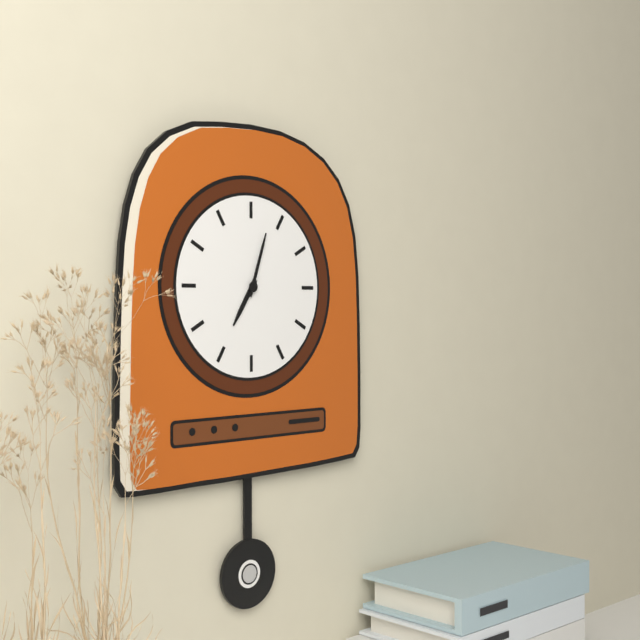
7:03
